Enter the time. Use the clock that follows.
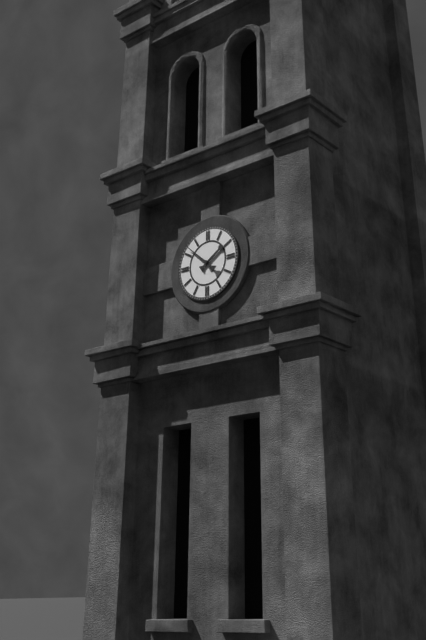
1:52
